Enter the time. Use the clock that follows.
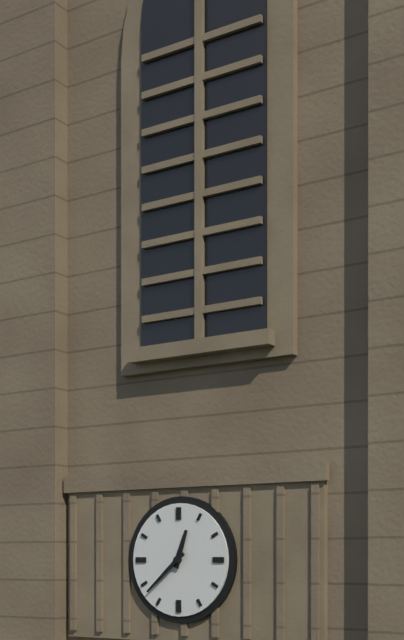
12:38
